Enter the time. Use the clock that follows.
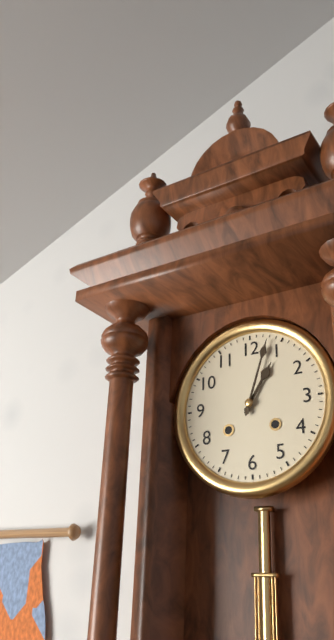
1:03
